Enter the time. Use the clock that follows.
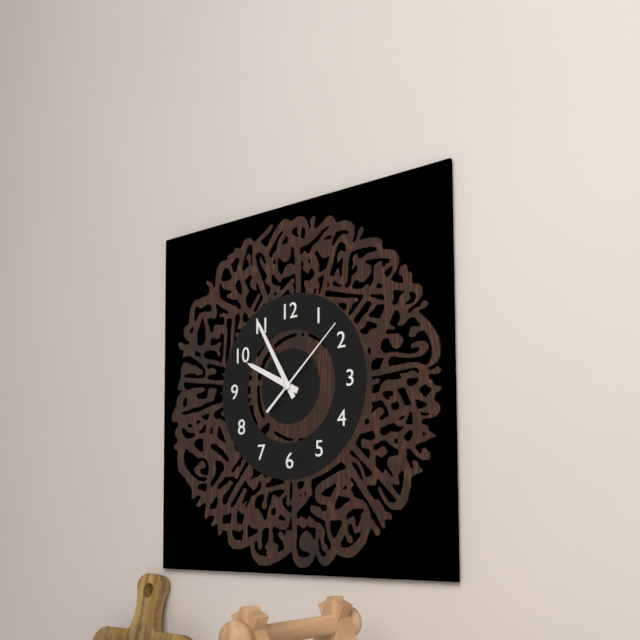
9:55:08
